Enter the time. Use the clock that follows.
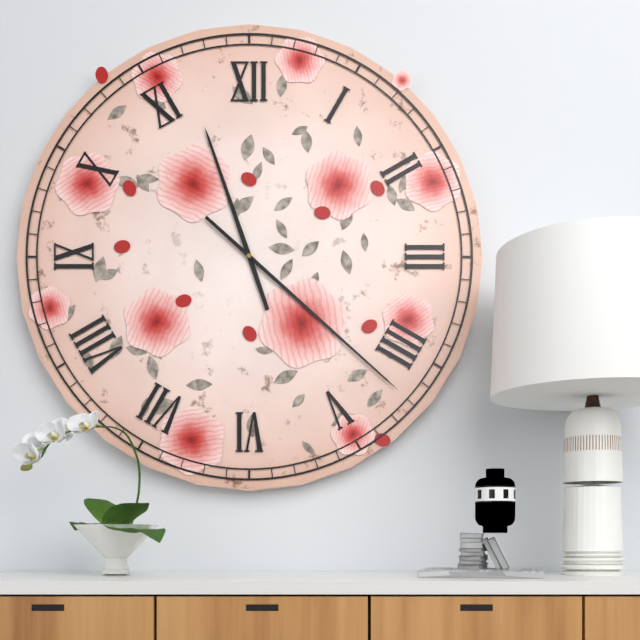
11:22
